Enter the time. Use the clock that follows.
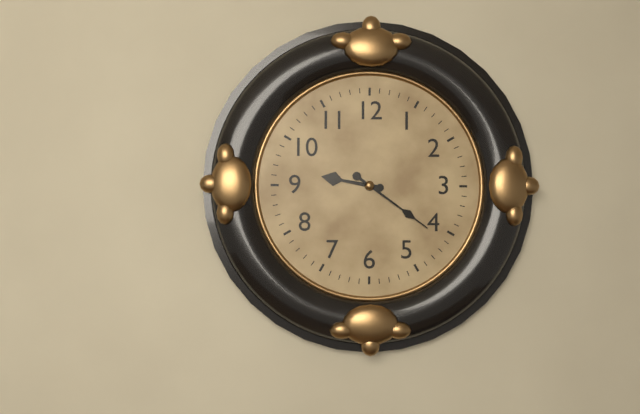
9:21
